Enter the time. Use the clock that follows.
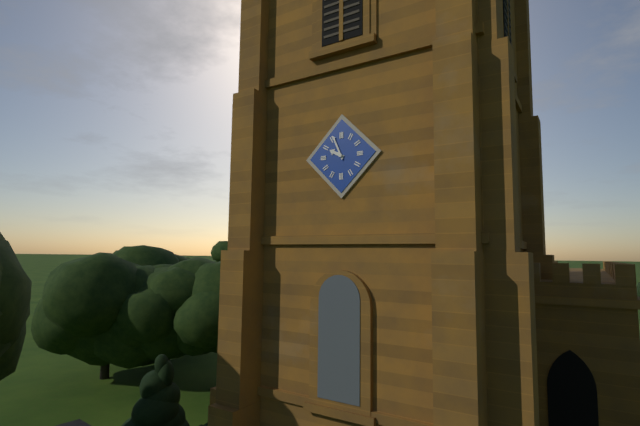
9:56
